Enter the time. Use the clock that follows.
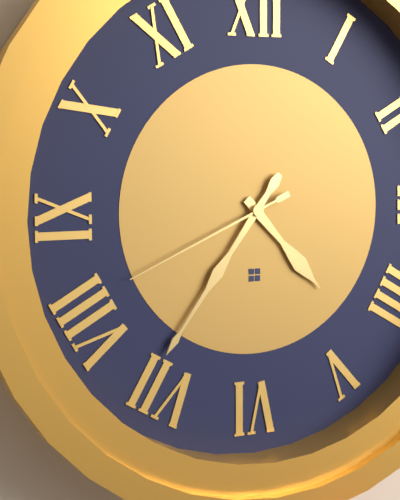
4:36:41
